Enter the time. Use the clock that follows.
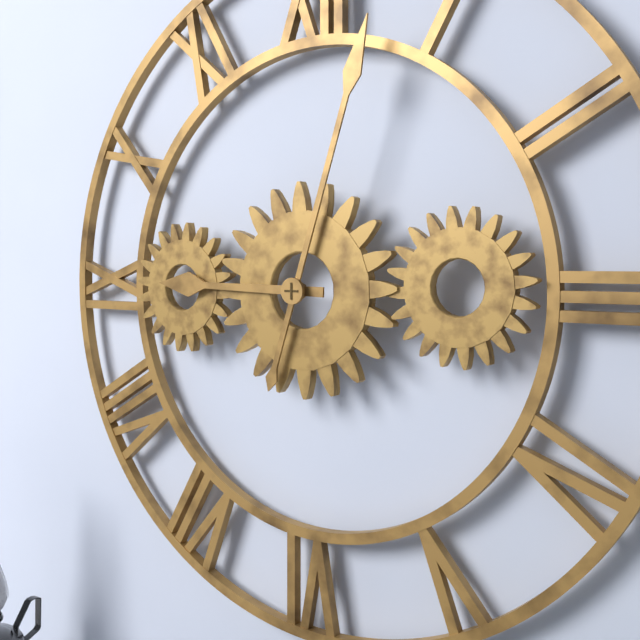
9:03
